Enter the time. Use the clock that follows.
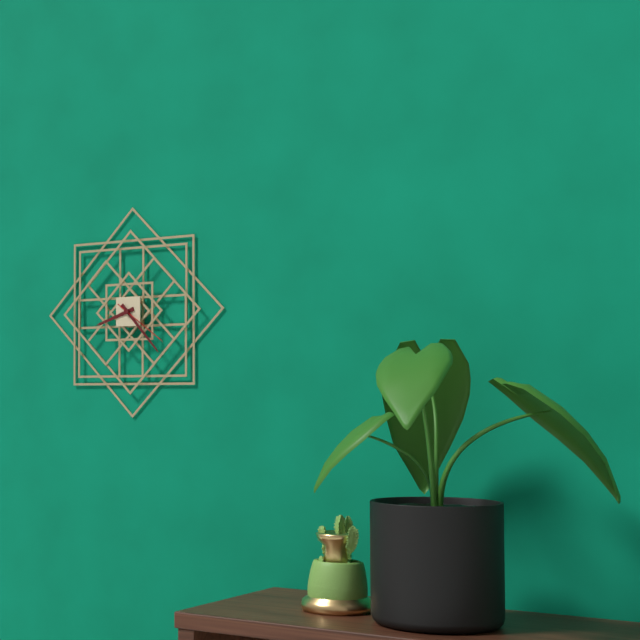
8:23:21
